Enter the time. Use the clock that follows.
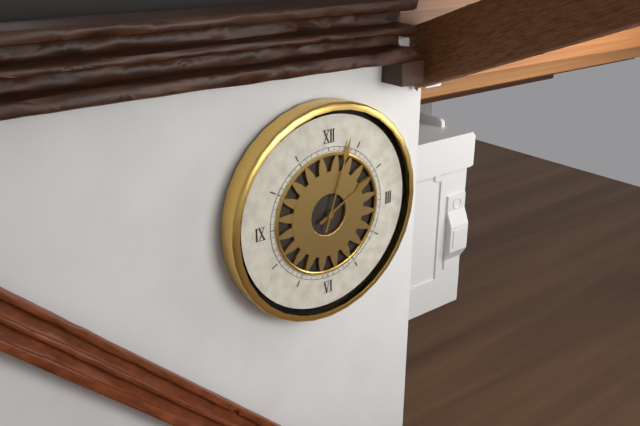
2:03
